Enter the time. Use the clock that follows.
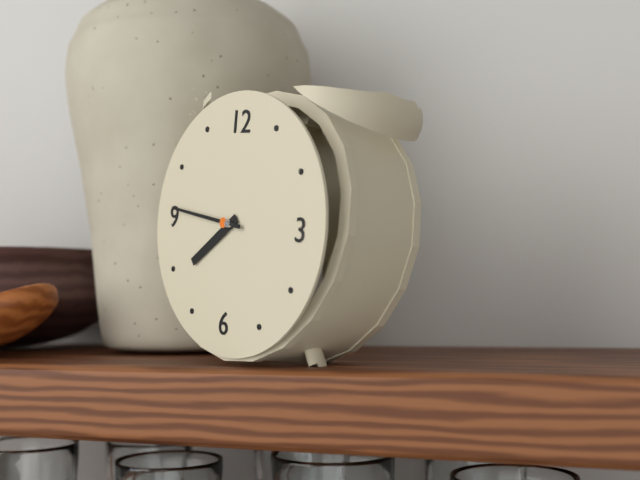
7:46
